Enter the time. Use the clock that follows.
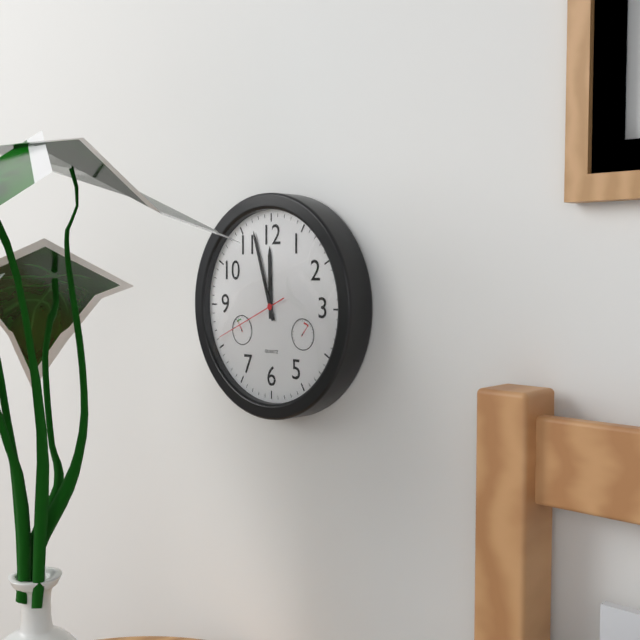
11:57:41
